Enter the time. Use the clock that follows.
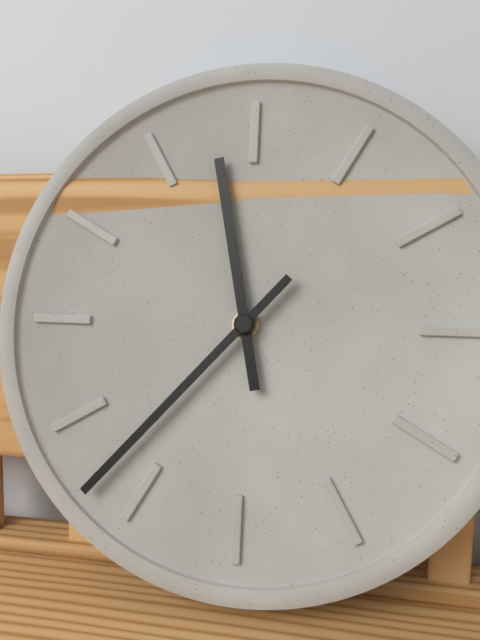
11:37
